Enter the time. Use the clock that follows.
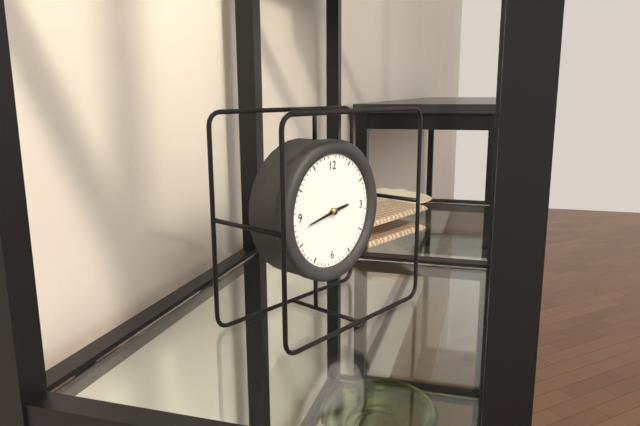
2:43
